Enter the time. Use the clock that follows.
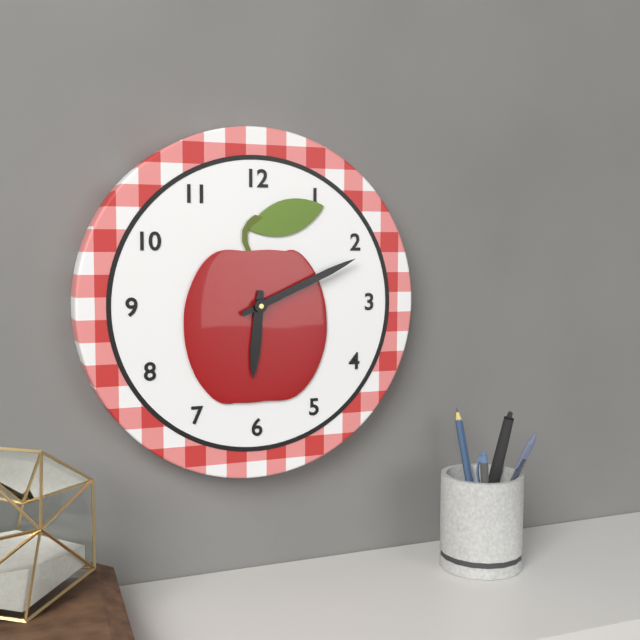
6:11
